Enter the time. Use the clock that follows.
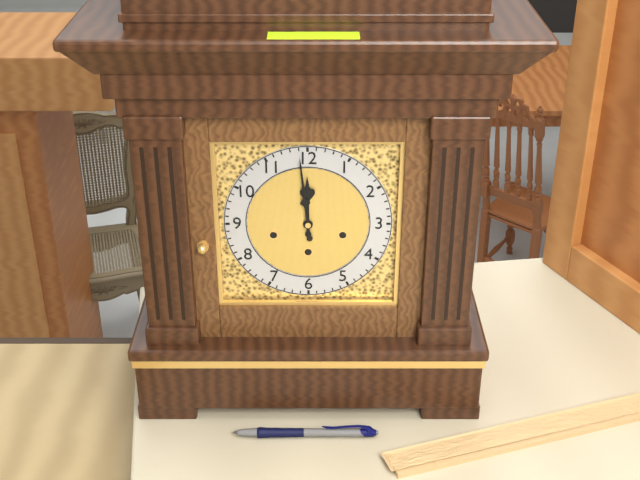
11:59
